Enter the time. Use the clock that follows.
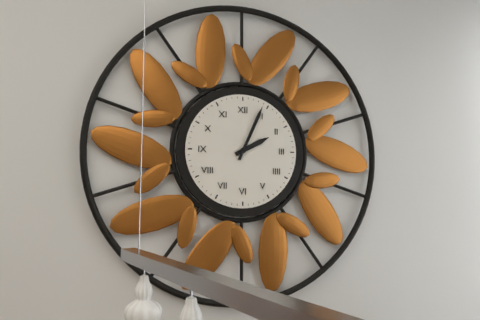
2:04
